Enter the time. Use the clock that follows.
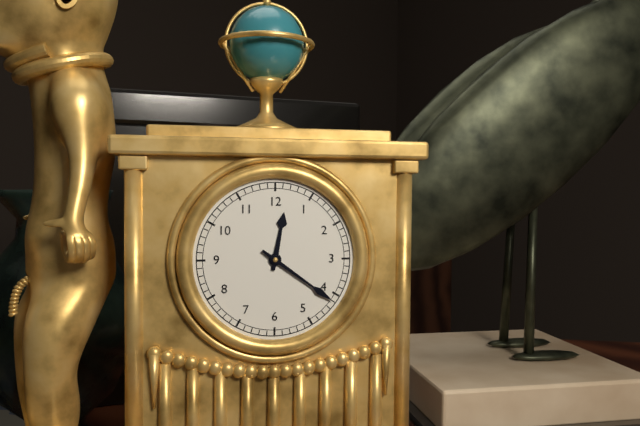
12:21
